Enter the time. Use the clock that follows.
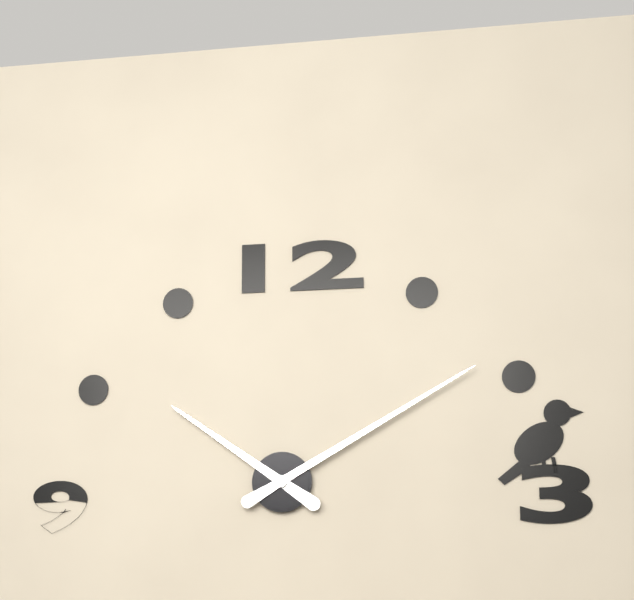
10:10
